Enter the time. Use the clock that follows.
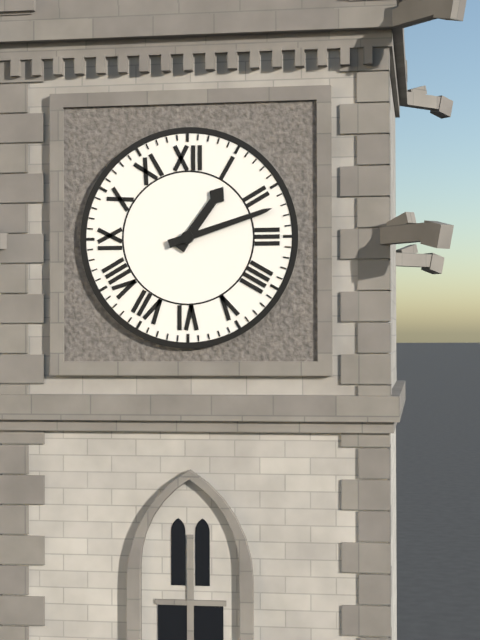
1:12
